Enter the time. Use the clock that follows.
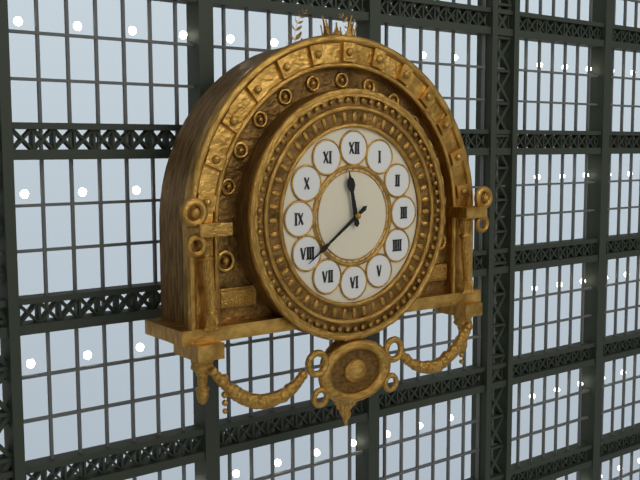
11:39
